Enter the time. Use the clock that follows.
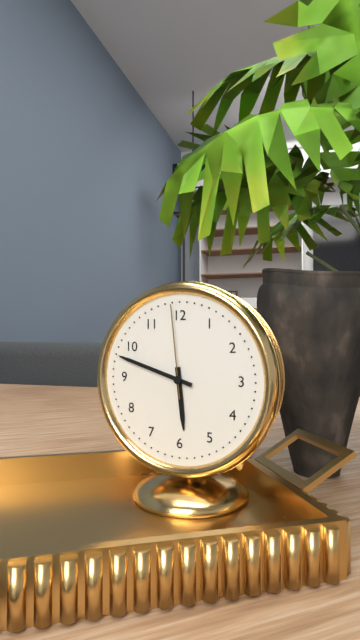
5:48:59
